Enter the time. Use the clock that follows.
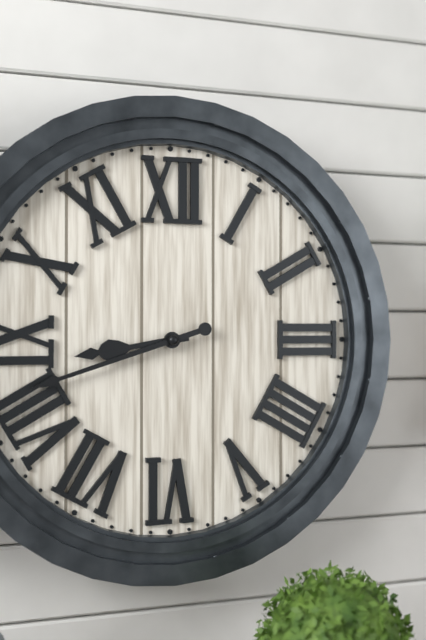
8:42
